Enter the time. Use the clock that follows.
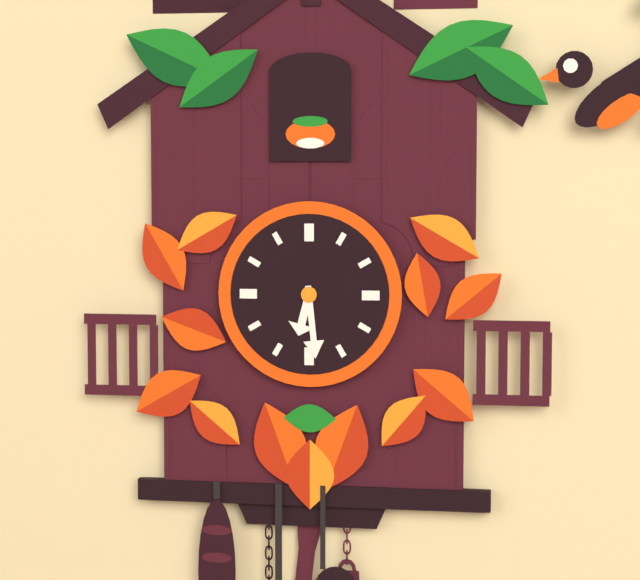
6:29
